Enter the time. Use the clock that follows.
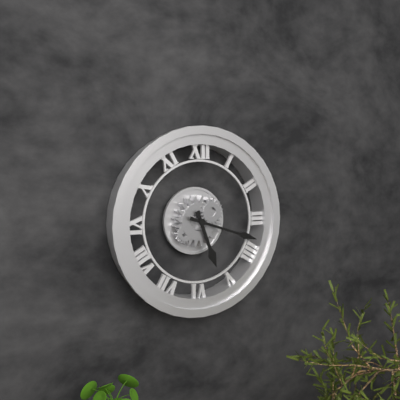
5:18
